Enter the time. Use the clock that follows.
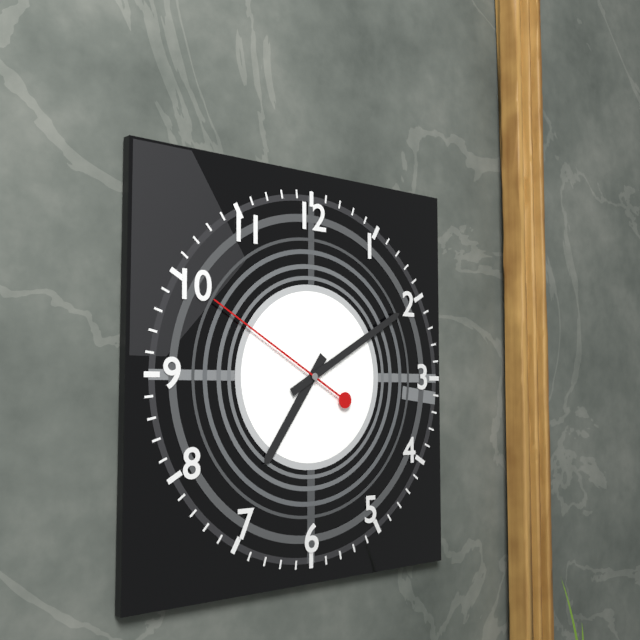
7:10:50
